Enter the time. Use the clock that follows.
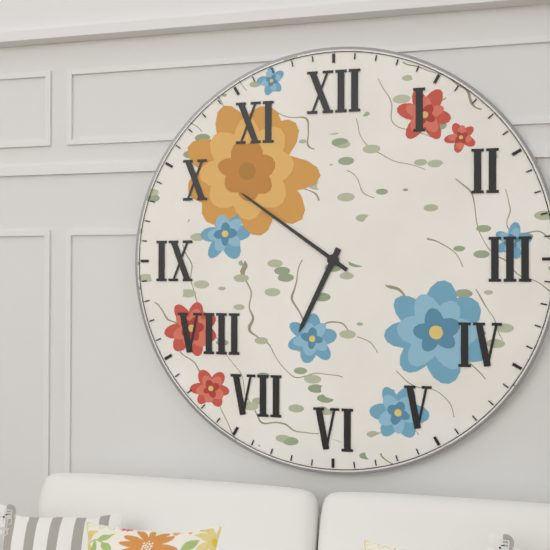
6:51
